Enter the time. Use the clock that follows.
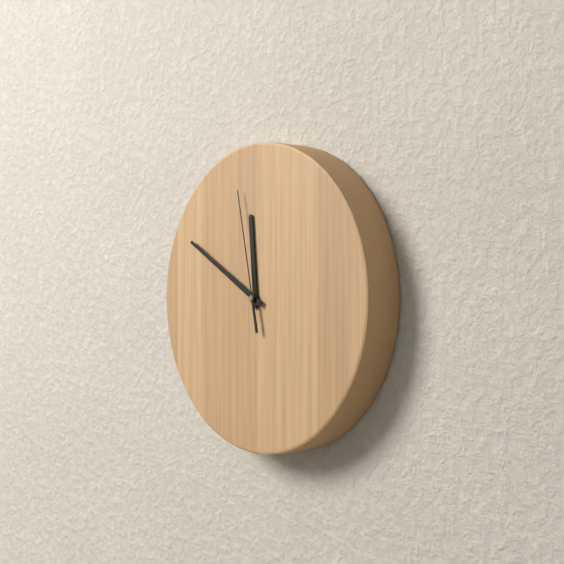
11:50:58
